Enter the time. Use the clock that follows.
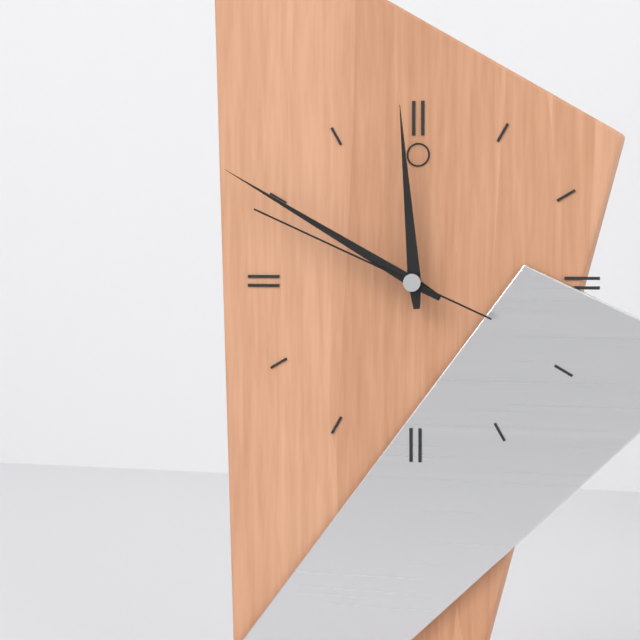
11:50:49
